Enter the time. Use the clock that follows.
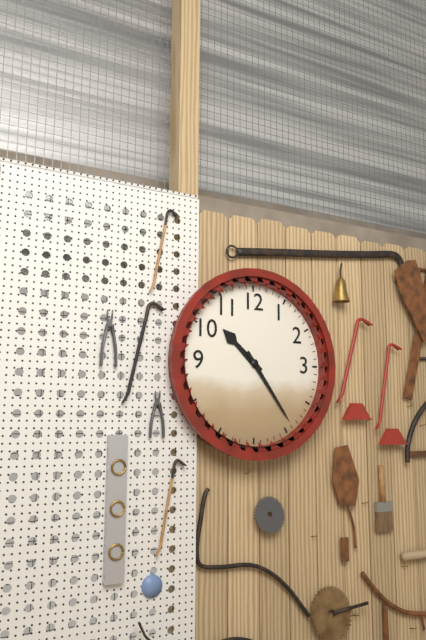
10:24
